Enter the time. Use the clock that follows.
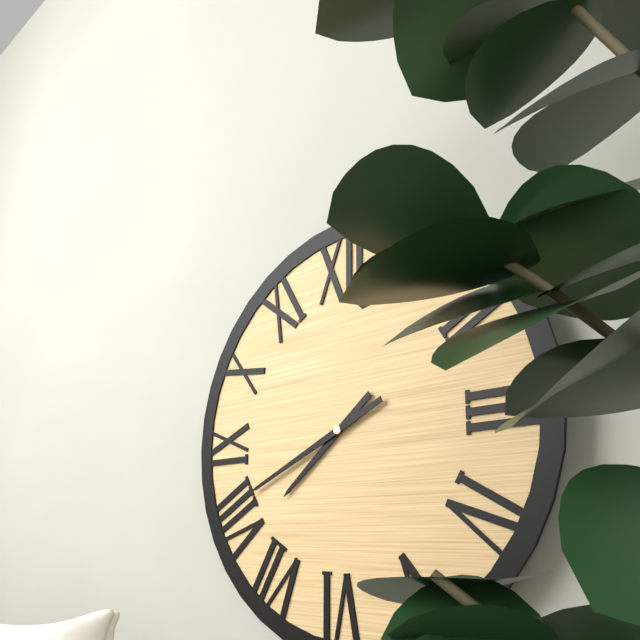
7:41
